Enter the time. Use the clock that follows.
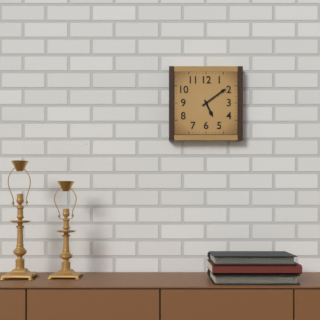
5:09
